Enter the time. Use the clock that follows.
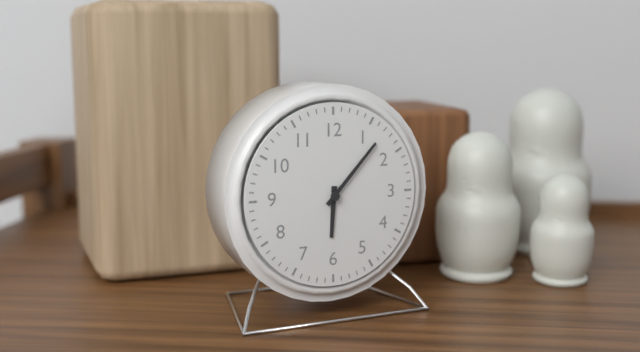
6:07
